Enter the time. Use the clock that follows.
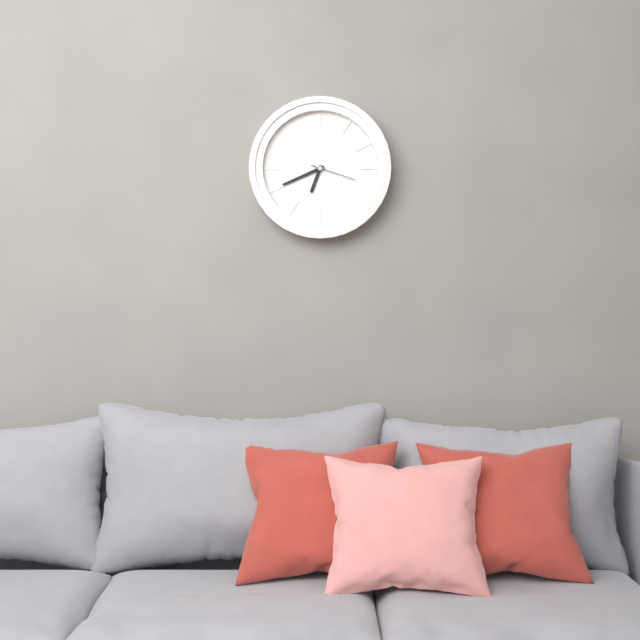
6:41
